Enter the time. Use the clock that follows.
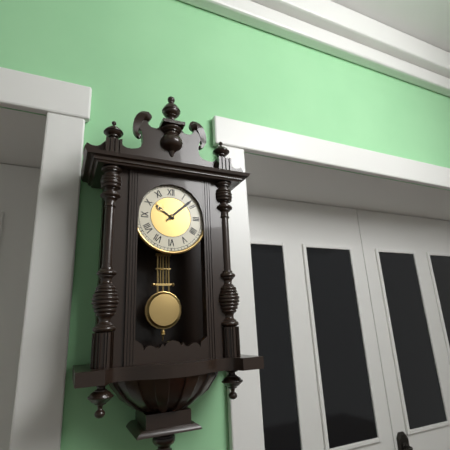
10:08
